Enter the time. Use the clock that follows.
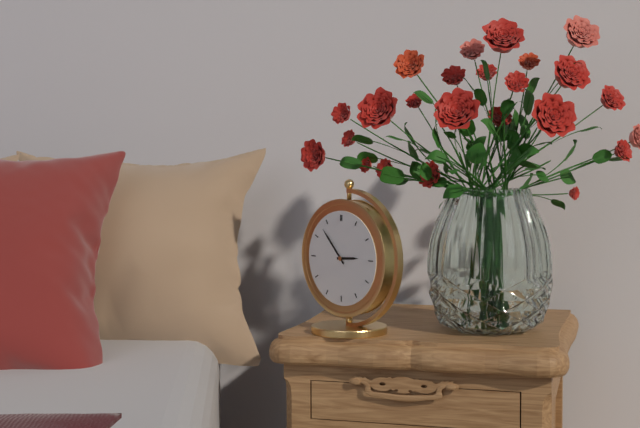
2:53
